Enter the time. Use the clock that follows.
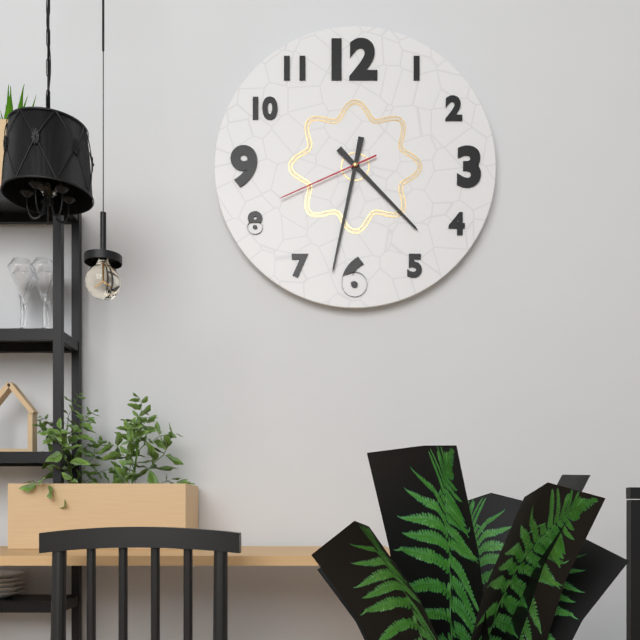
4:32:41
